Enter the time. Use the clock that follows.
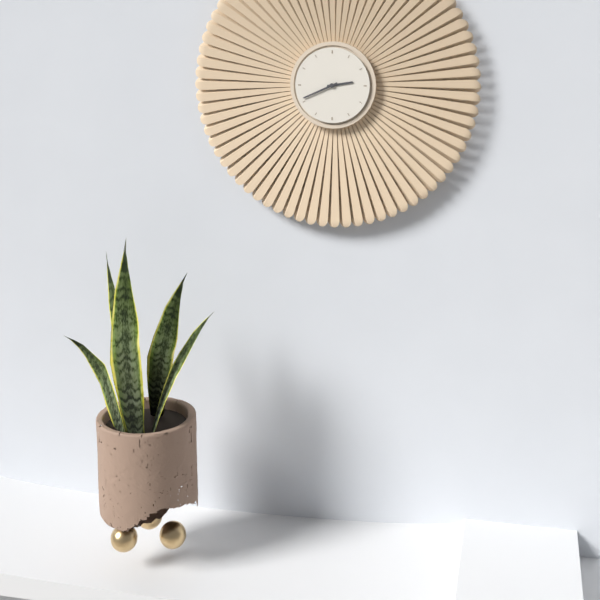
2:41
